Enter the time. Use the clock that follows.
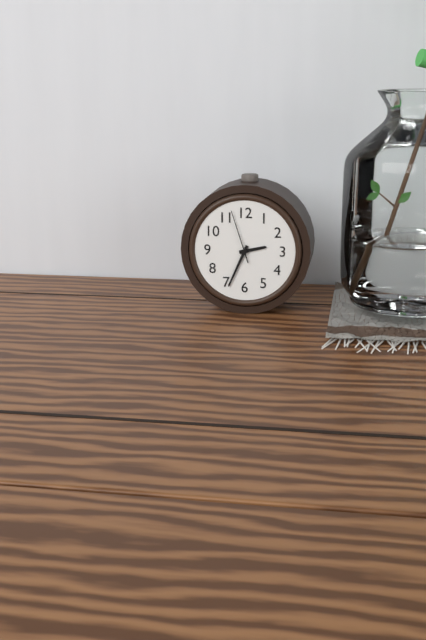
2:34:57
